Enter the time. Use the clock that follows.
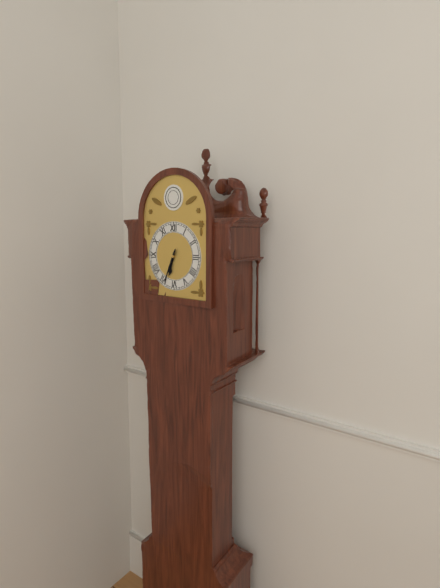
6:34
